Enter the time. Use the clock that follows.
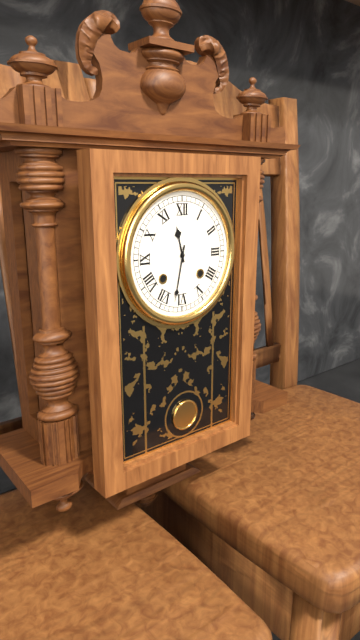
11:32
